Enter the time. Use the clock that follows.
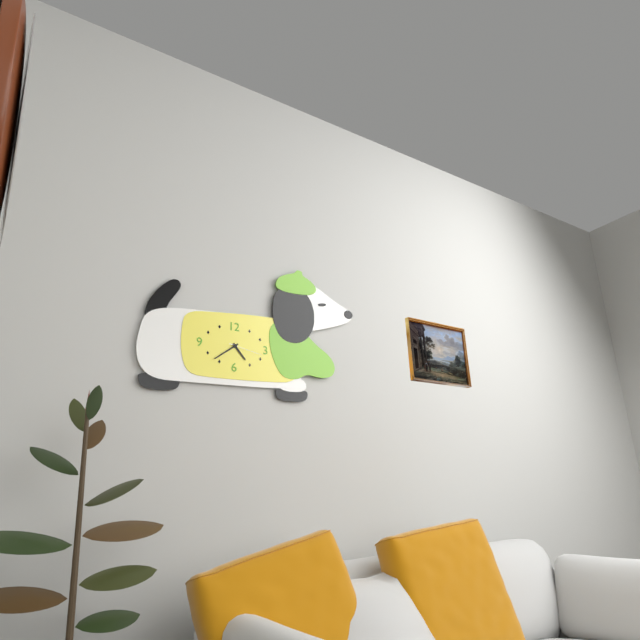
4:39
